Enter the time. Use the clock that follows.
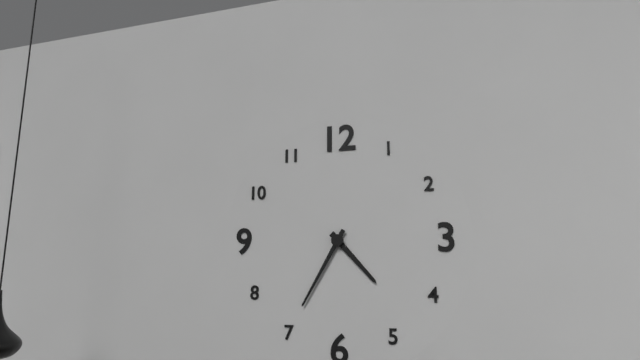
4:35
